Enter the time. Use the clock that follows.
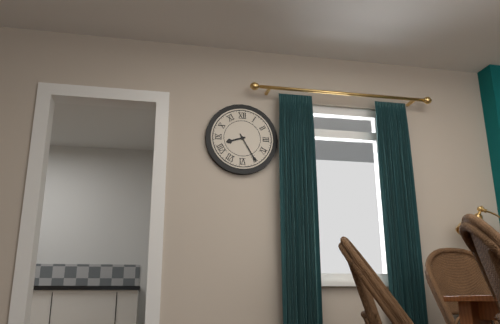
8:25
